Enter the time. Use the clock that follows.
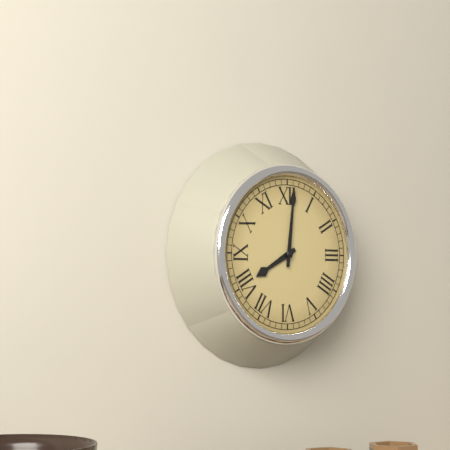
8:01
